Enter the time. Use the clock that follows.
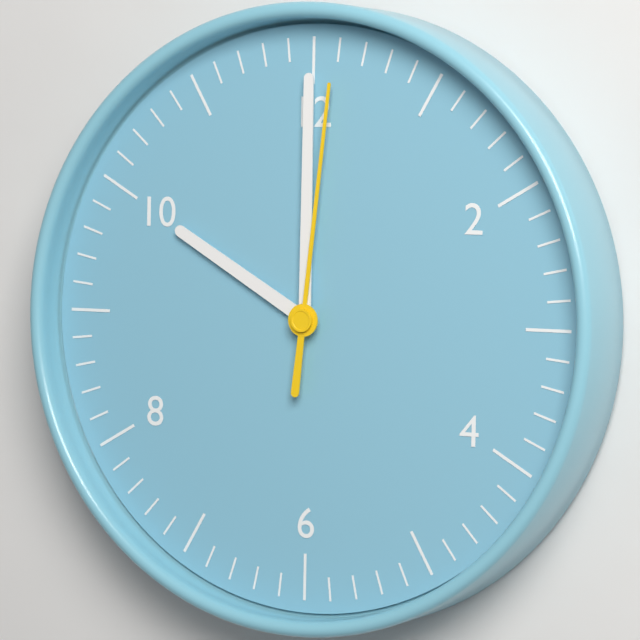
10:00:01
